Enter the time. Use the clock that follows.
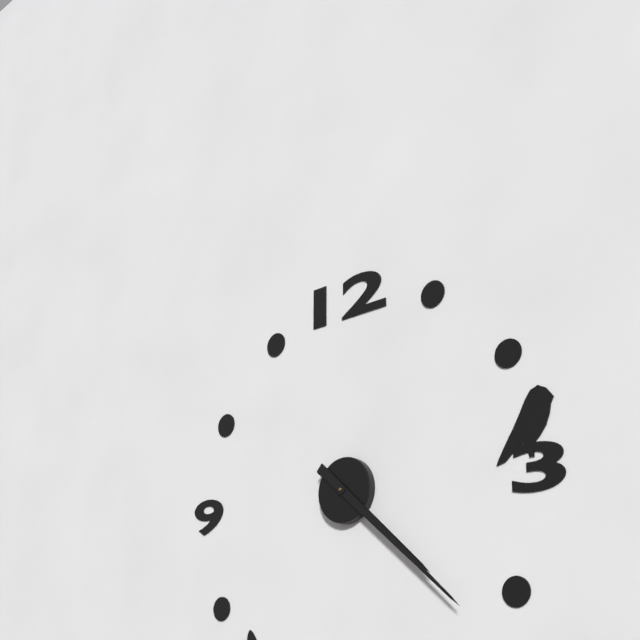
4:22
